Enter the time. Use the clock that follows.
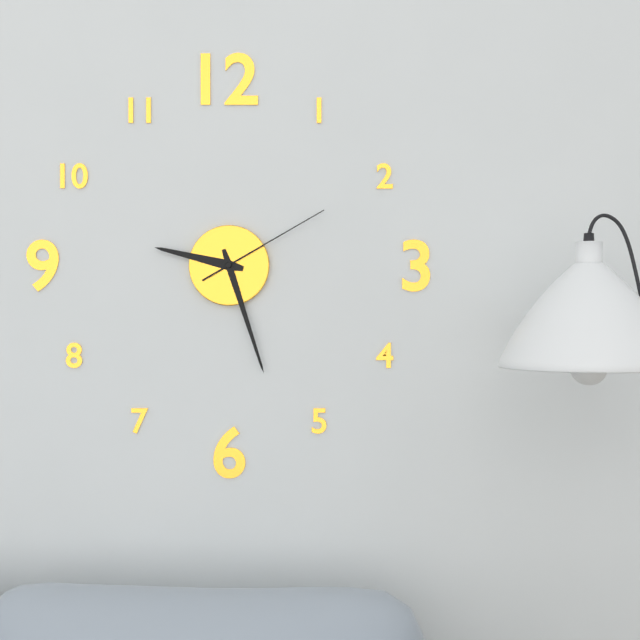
9:27:10
